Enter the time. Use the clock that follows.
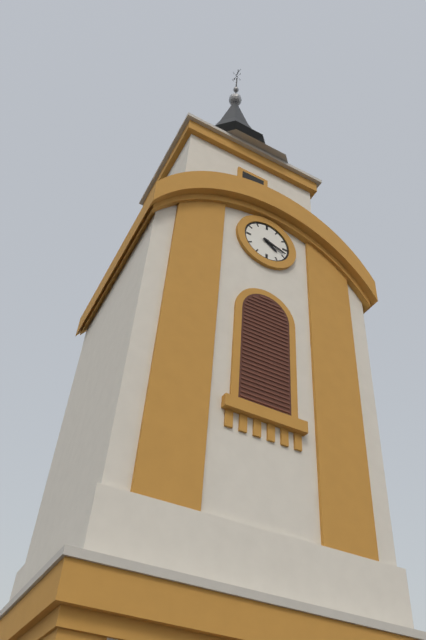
4:18
